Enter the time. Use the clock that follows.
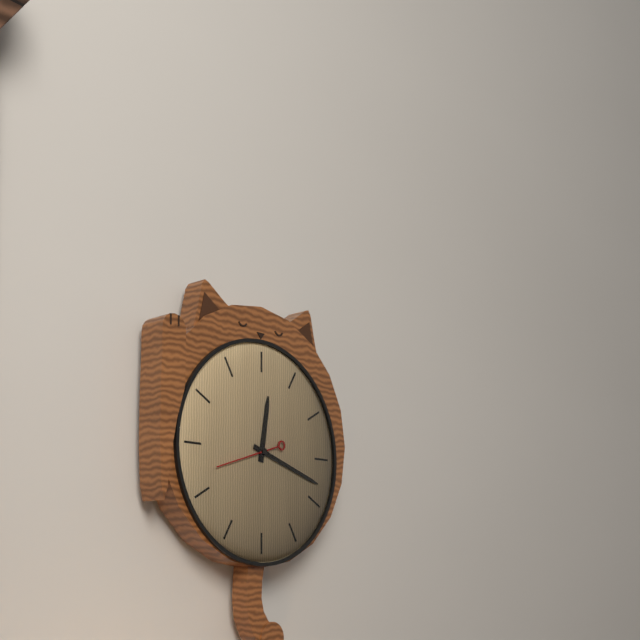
12:18:42
